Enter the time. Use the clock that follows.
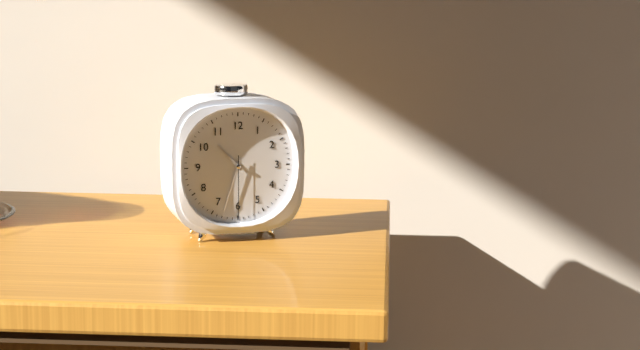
10:33:30
